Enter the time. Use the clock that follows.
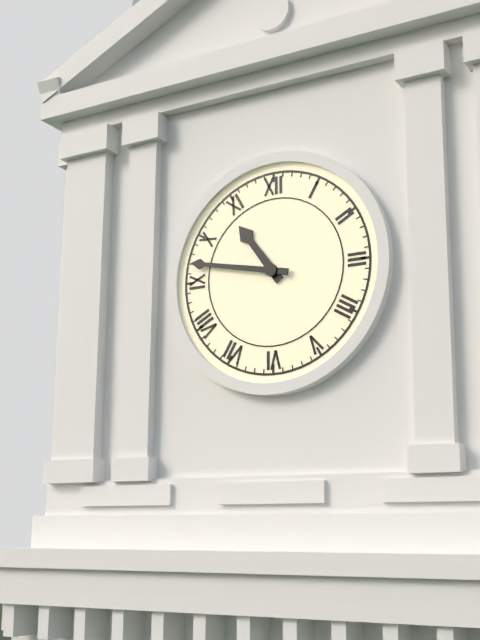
10:47
